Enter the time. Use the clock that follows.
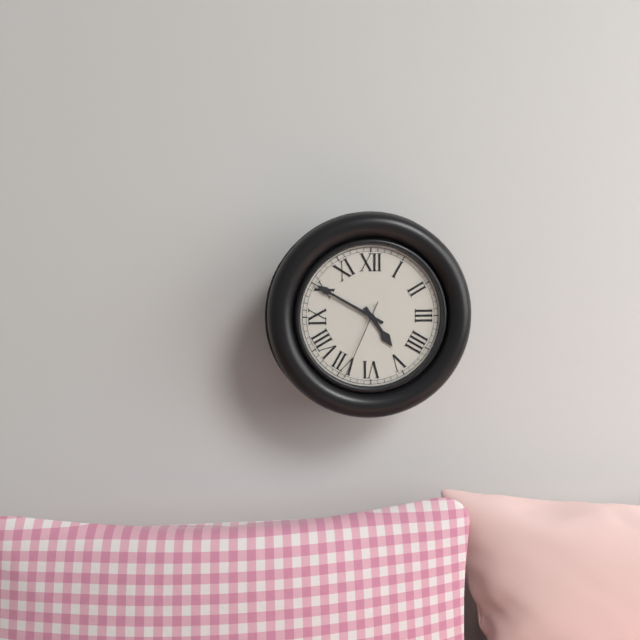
4:50:34
